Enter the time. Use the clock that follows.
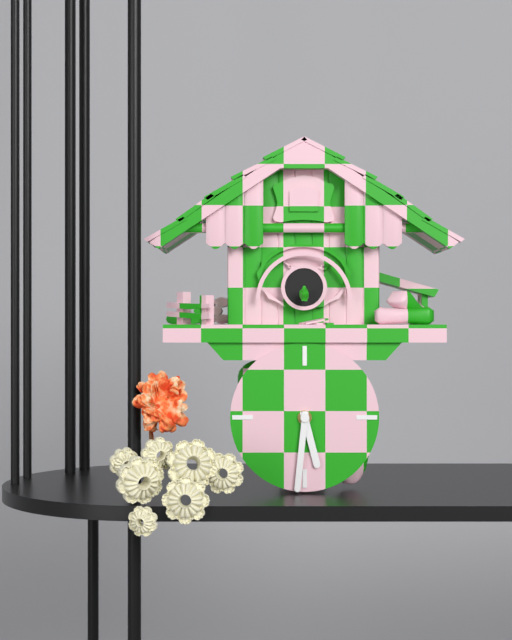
5:31
